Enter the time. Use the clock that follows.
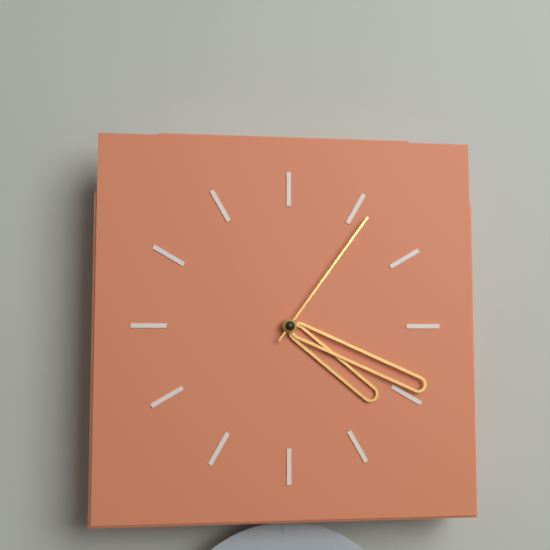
4:19:06
